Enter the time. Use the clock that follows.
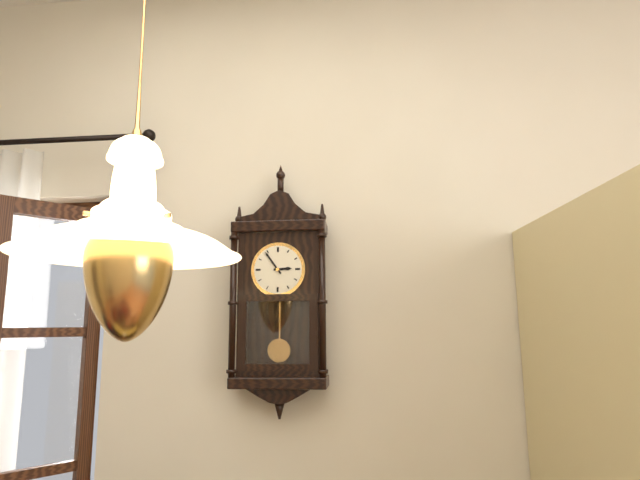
2:54
